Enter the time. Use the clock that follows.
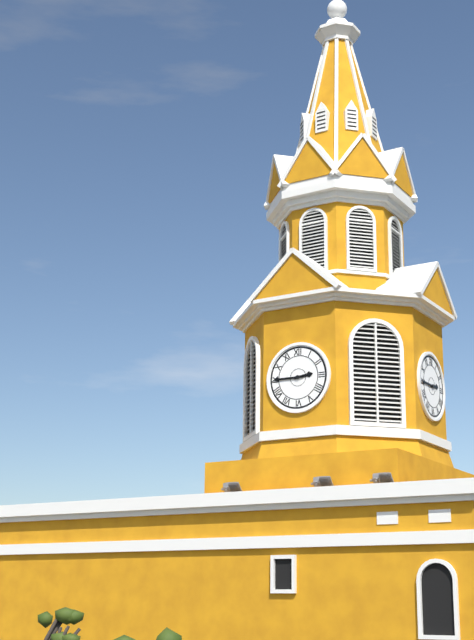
2:45
